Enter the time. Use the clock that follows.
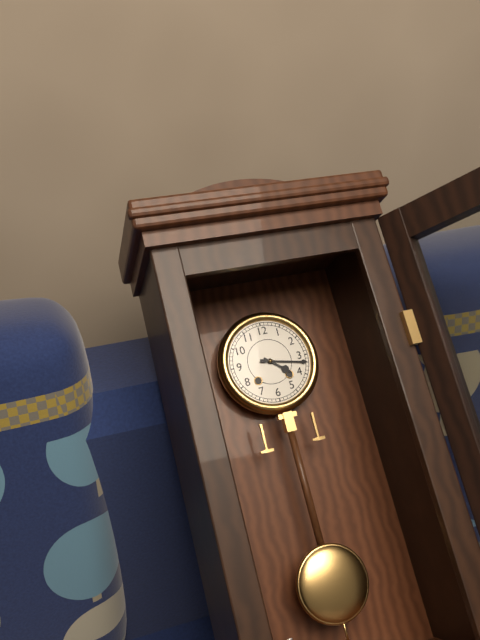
4:17
